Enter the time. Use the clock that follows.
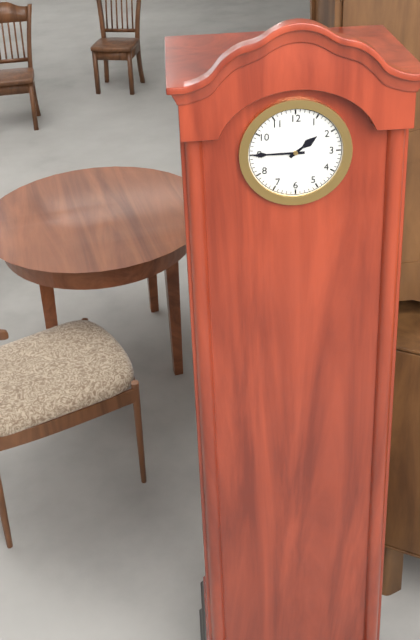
1:45
